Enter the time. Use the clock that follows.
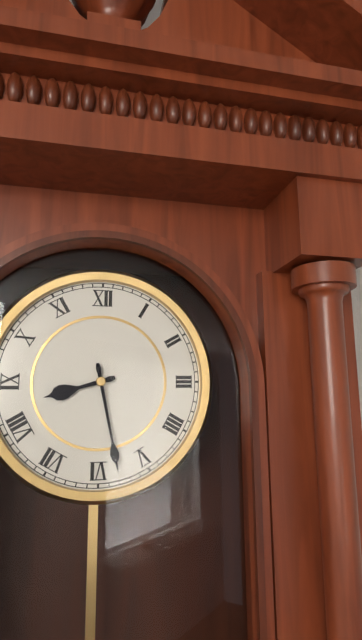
8:28
